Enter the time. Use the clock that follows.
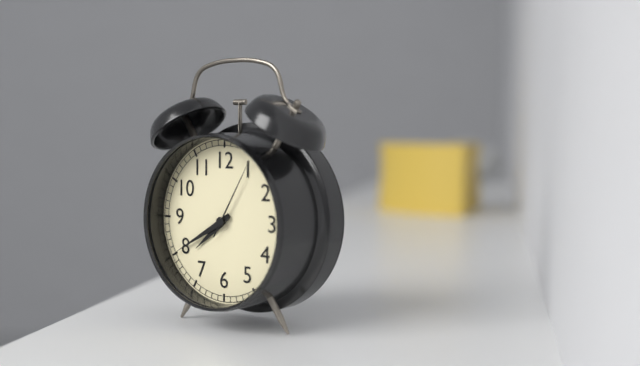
7:40:05
